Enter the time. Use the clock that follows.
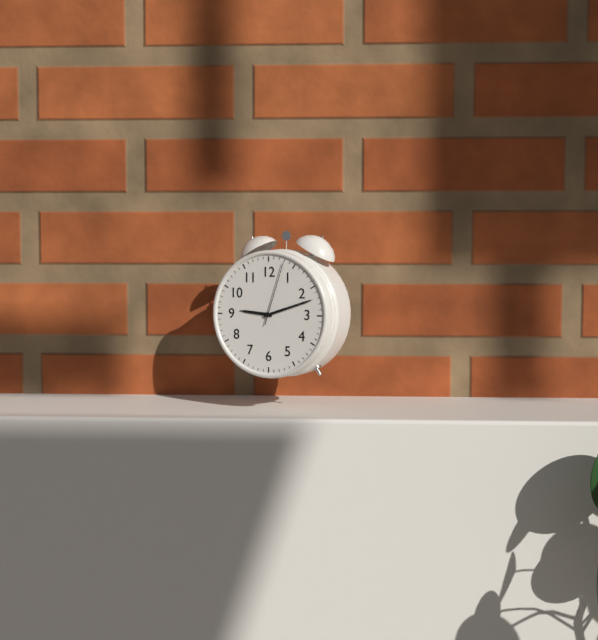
9:12:03
